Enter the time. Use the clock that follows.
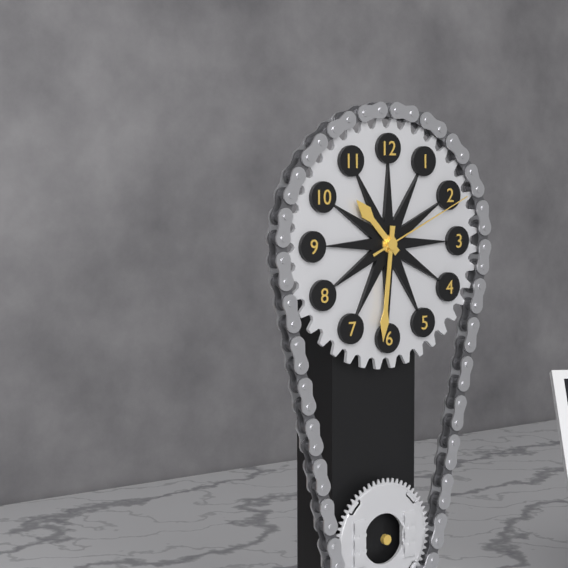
10:31:11
